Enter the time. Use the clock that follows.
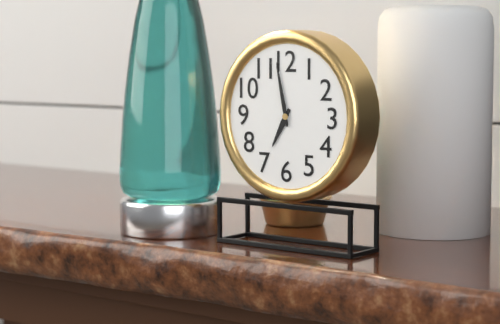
6:58
